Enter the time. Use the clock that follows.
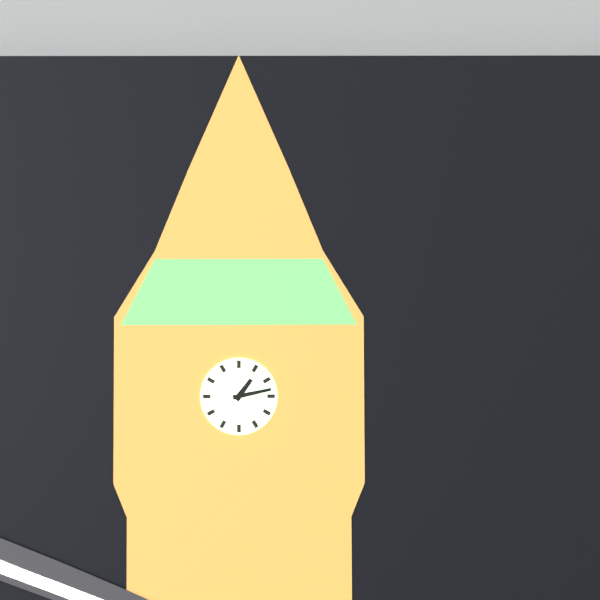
1:13
